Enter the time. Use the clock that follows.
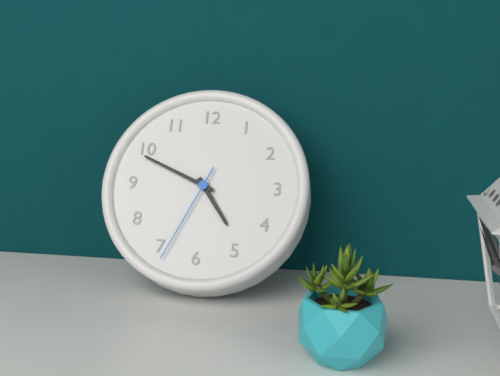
4:49:34
